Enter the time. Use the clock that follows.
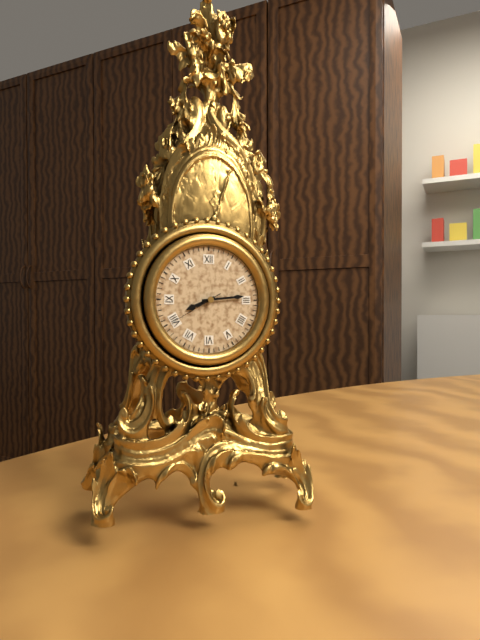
8:14:40
